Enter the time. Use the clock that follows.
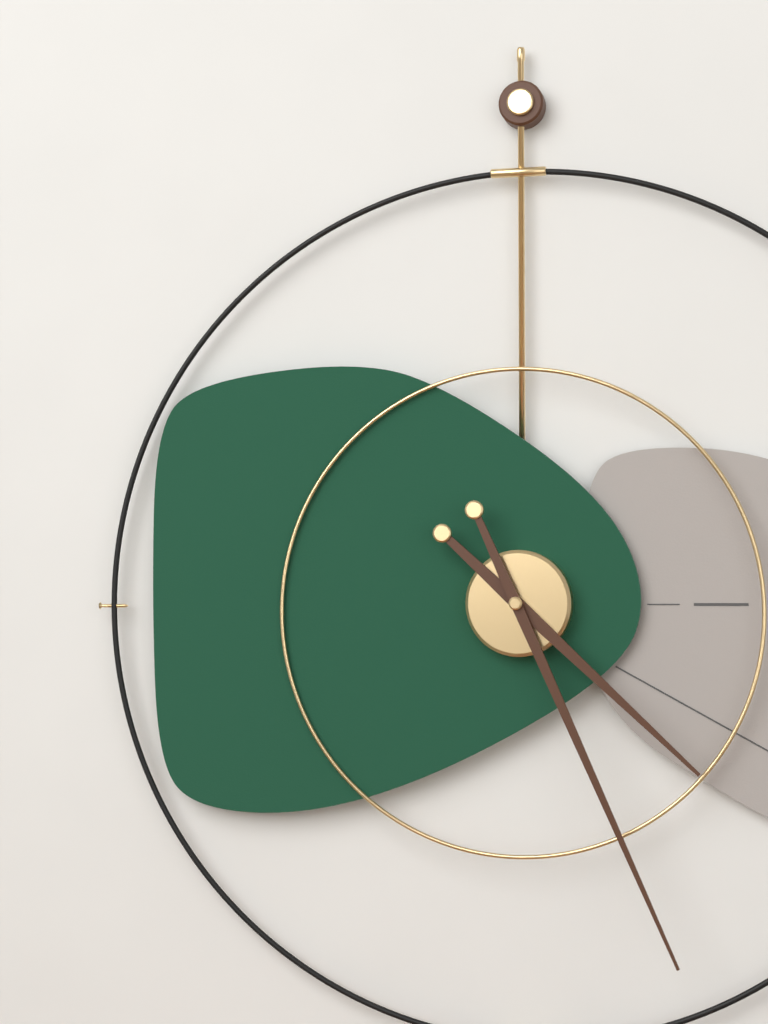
4:26
